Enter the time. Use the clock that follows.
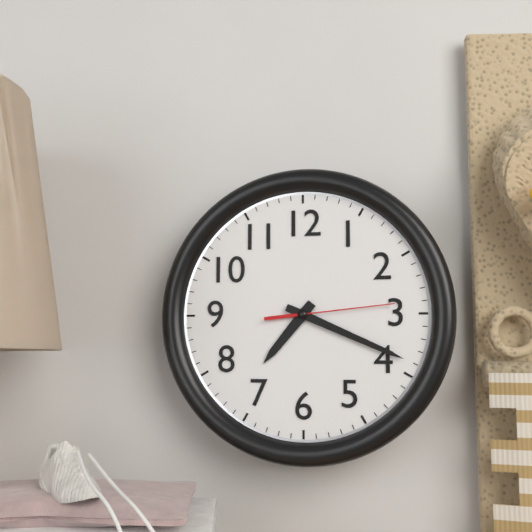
7:19:14
